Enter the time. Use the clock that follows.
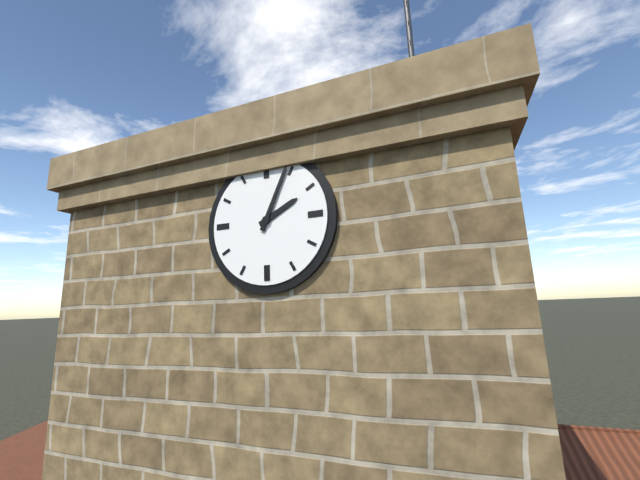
2:04
